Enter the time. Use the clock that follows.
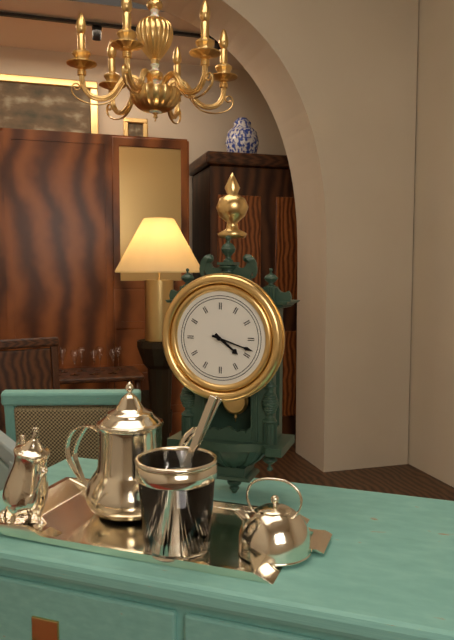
4:18
